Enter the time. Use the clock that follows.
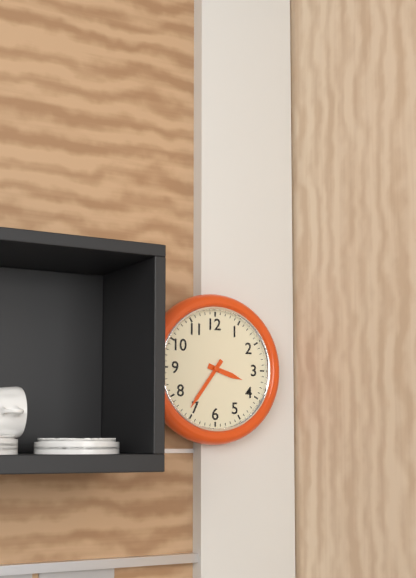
3:36
